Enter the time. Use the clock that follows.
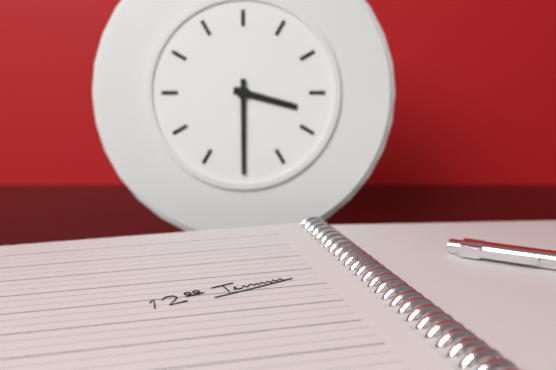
3:30
